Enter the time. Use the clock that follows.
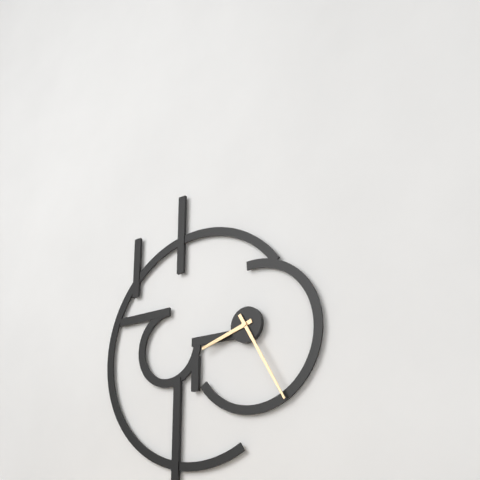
8:25
